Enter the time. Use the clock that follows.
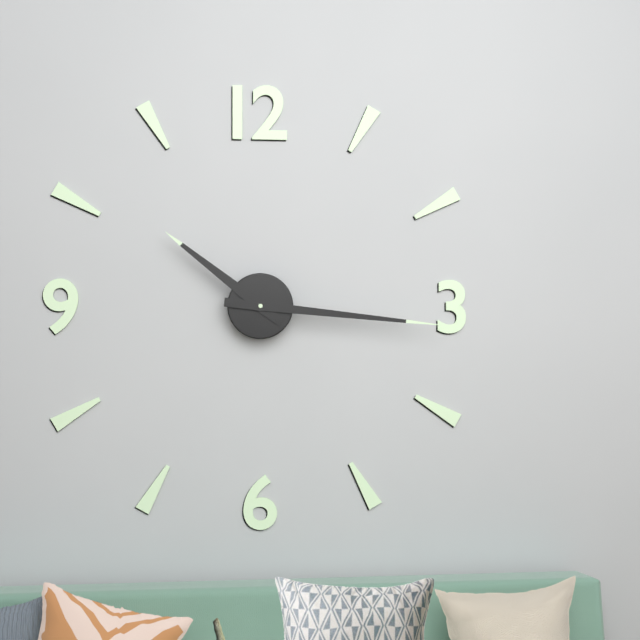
10:16
